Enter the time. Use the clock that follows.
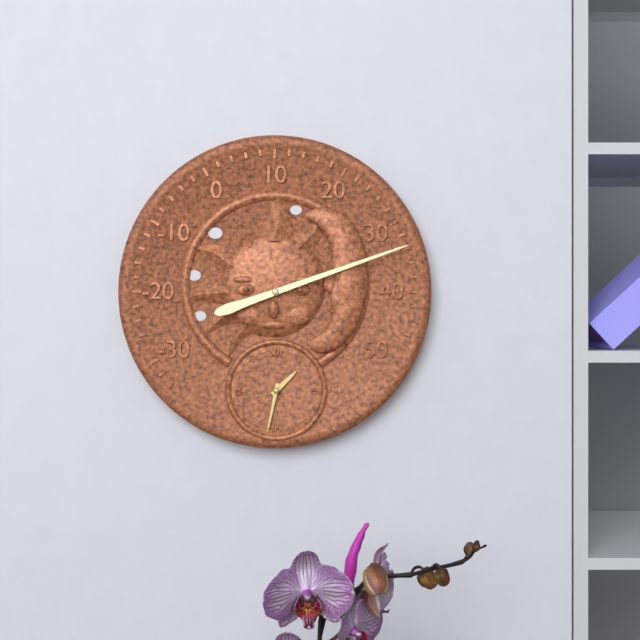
1:32
